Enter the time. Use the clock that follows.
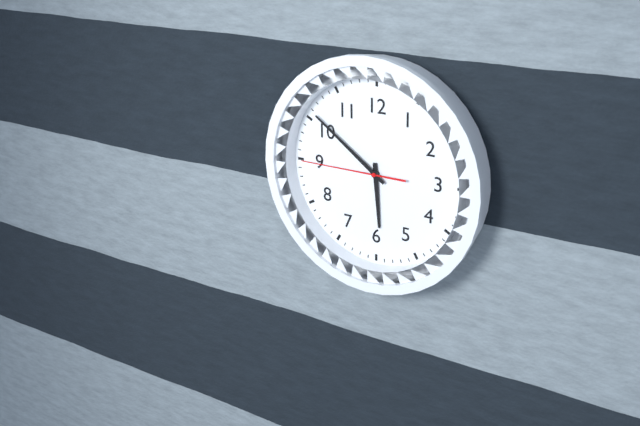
5:51:45
